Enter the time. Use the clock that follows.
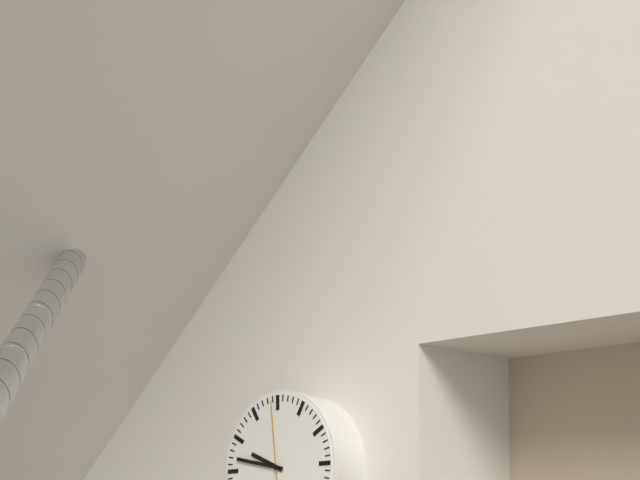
9:47:59
